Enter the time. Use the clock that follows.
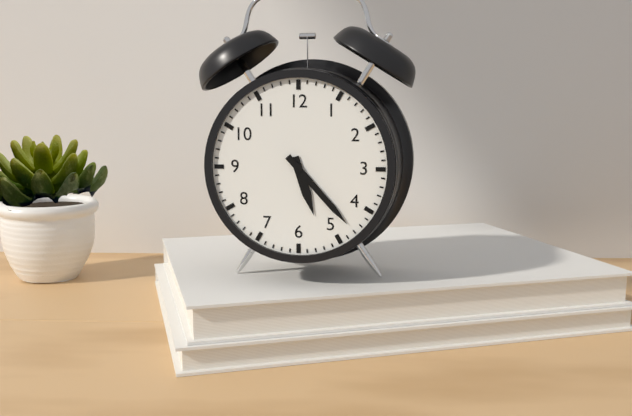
5:23
